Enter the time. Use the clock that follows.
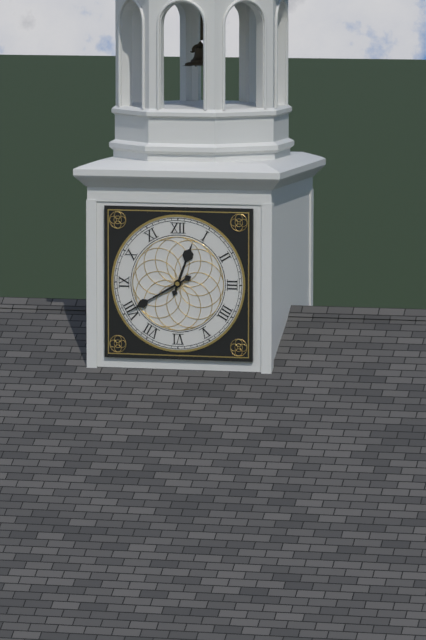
12:40
